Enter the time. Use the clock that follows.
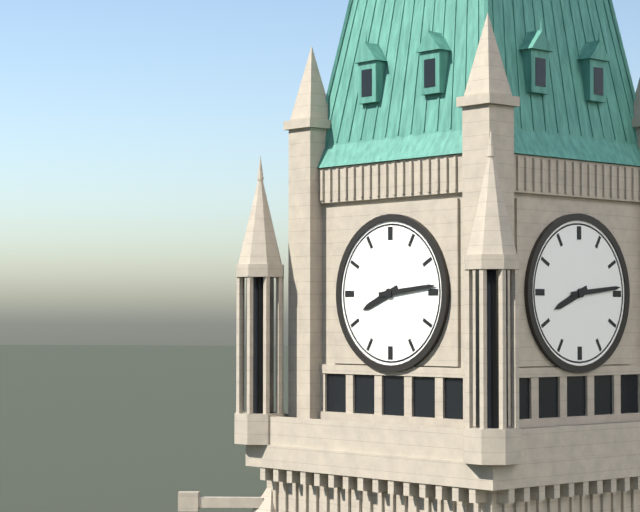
8:14
